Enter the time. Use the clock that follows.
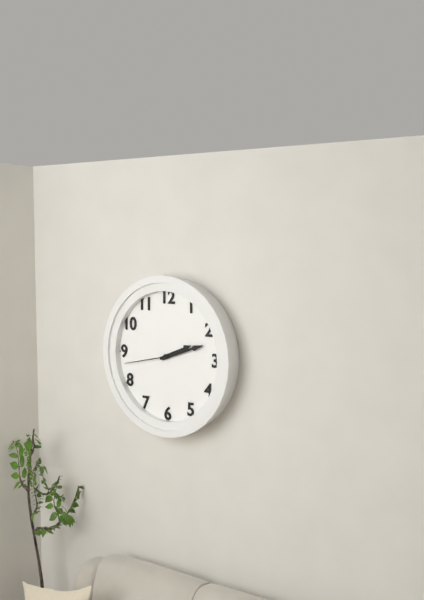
2:12:43
